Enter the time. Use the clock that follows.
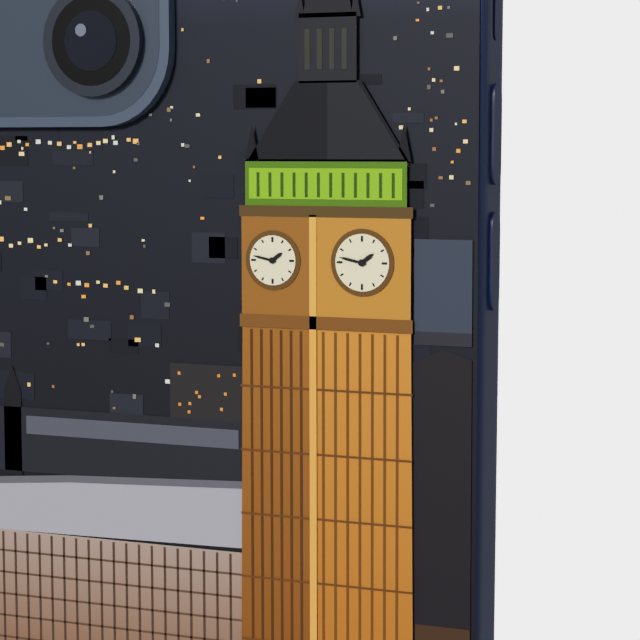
1:47
